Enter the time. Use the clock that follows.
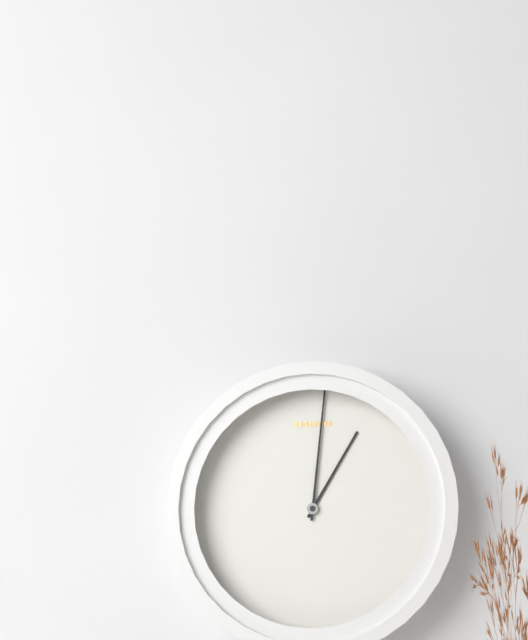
1:01
